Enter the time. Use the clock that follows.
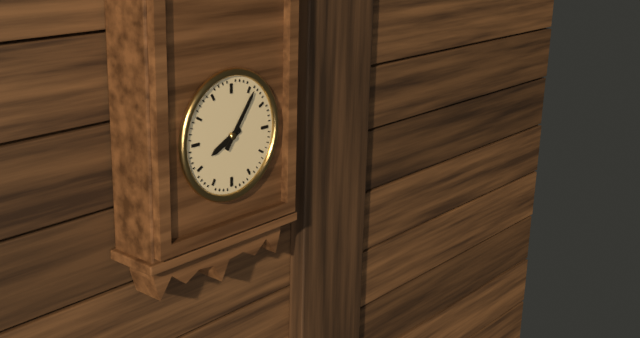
8:06
